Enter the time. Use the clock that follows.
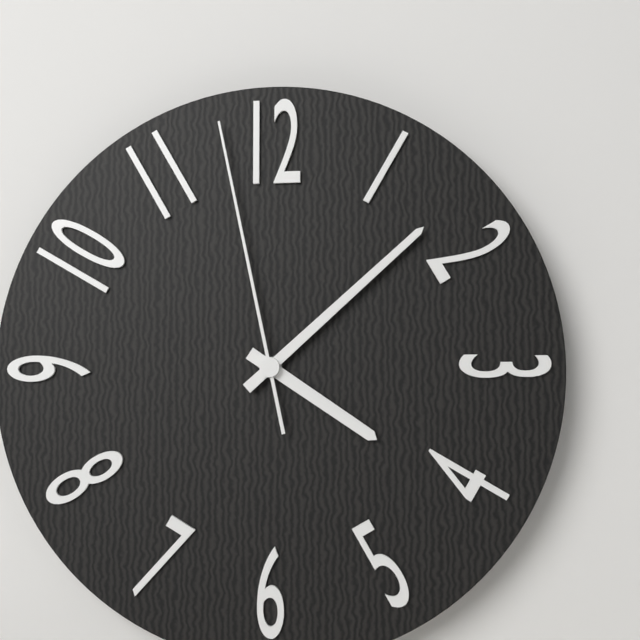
4:08:58
